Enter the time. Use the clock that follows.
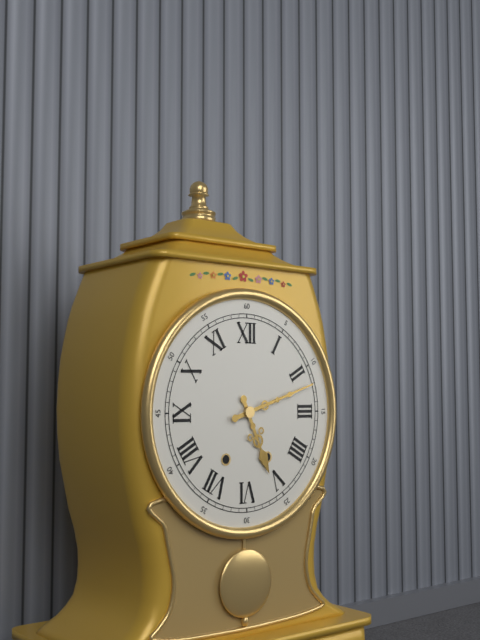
5:12
